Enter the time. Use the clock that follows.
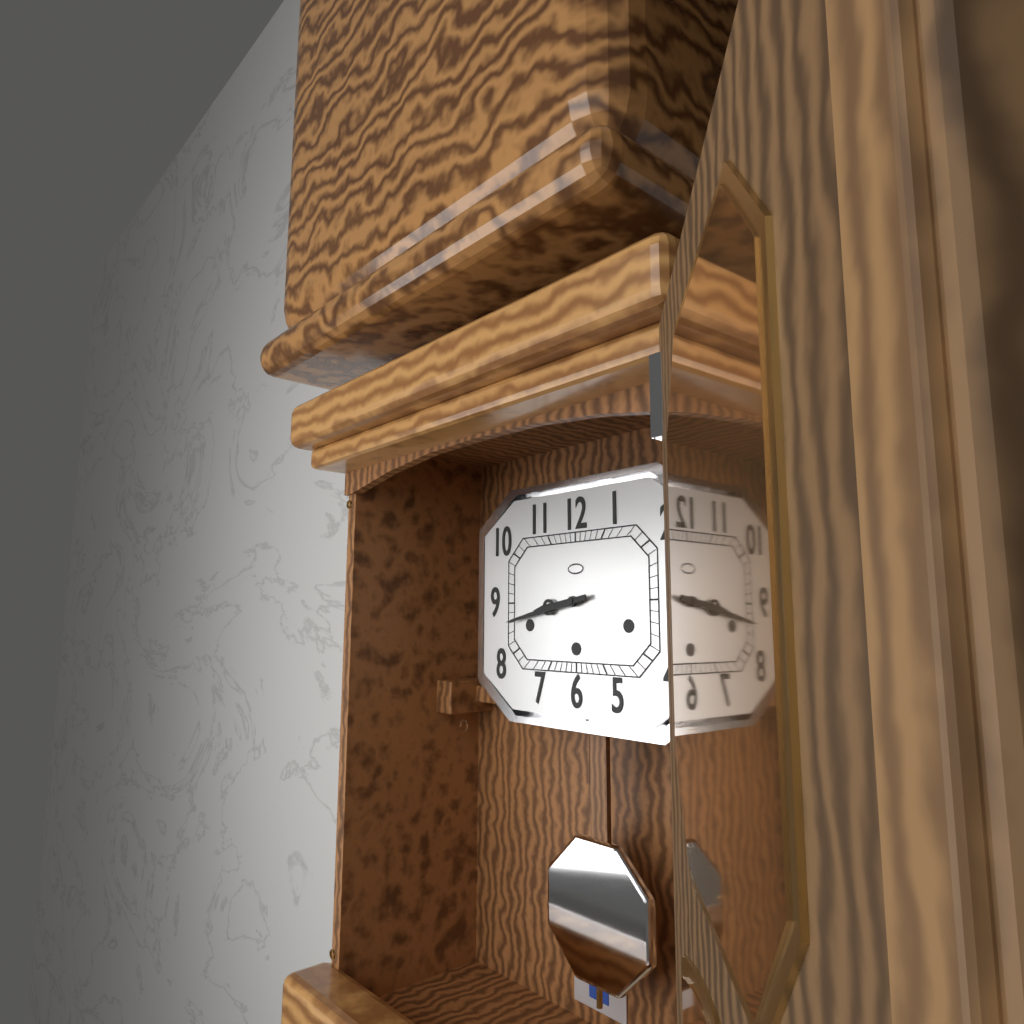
8:43
